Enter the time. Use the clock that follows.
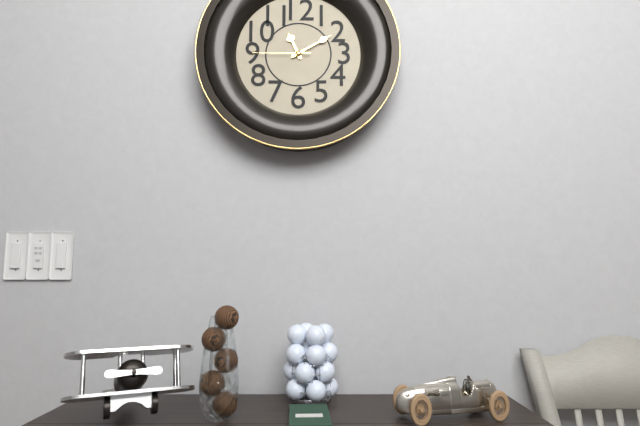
11:10:45
